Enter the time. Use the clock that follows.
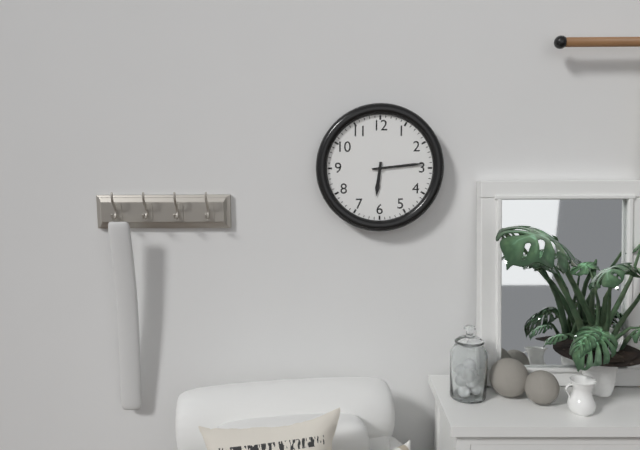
6:14
